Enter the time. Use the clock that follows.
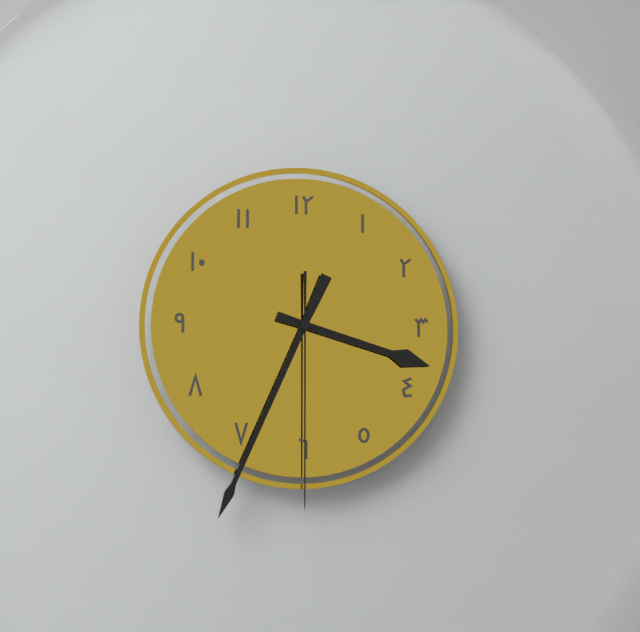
3:34:30
